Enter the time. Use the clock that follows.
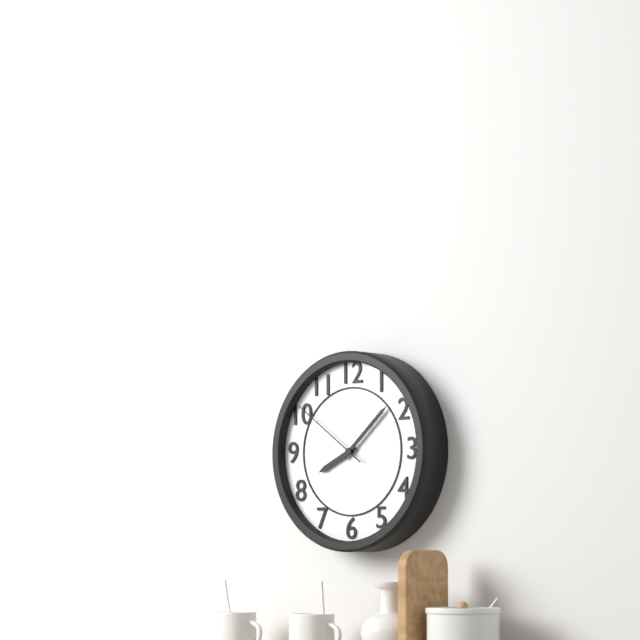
8:08:51
